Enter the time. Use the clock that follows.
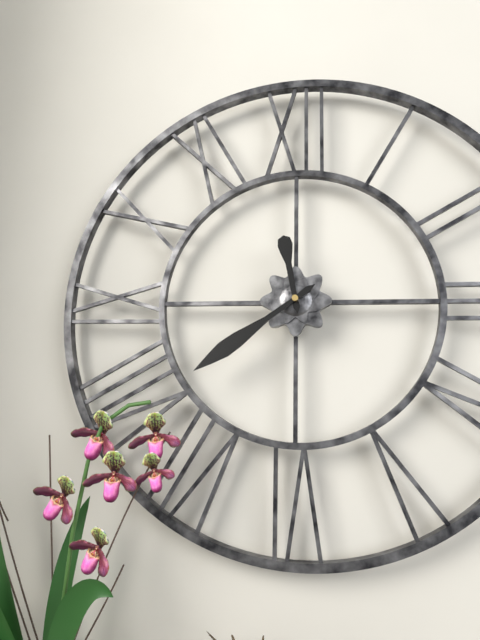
11:39
